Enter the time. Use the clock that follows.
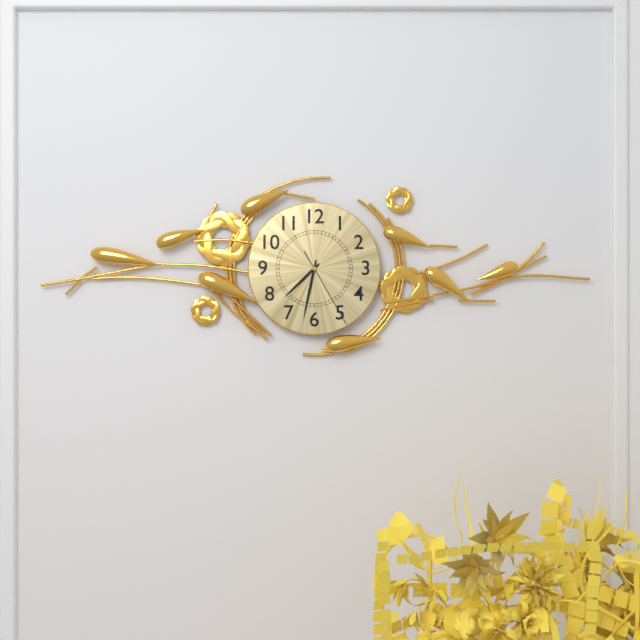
7:32:25
